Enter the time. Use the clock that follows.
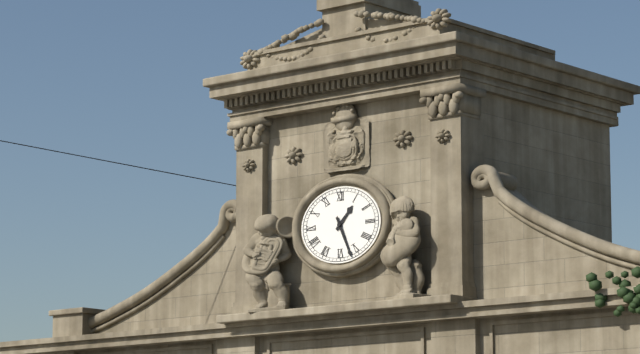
1:26
